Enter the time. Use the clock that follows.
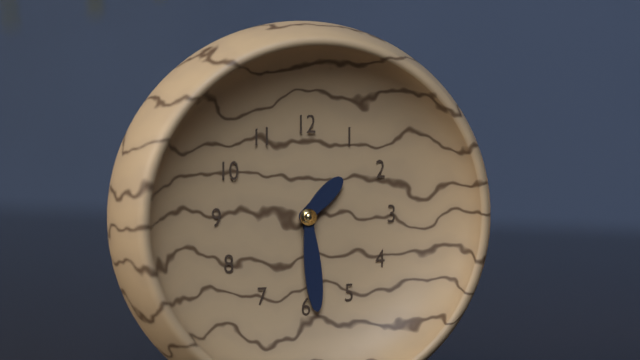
1:29
